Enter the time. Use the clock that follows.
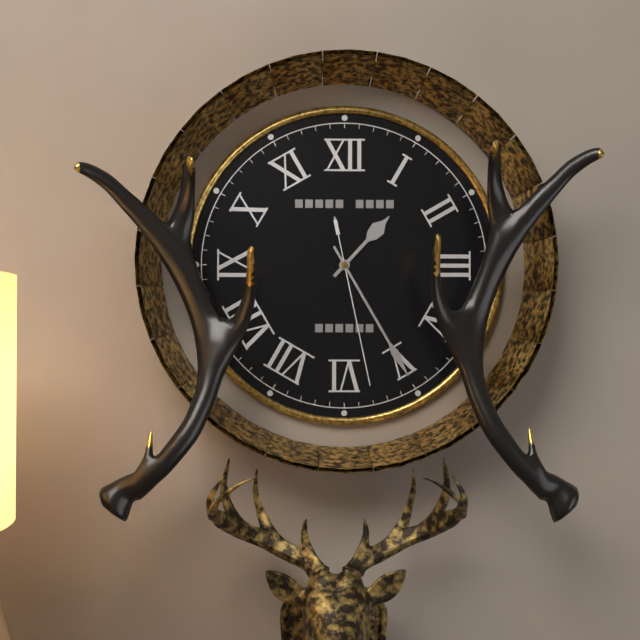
1:25:28
